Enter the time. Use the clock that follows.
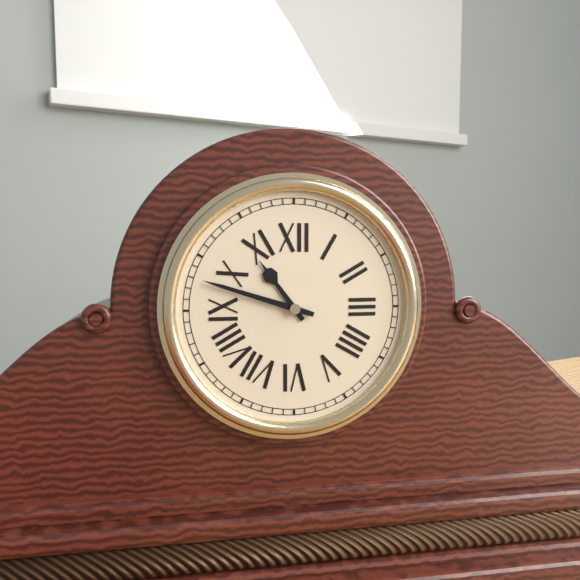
10:48
